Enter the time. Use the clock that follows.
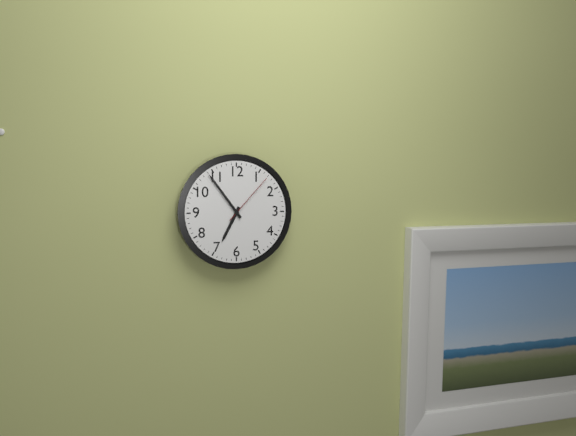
6:54:07
